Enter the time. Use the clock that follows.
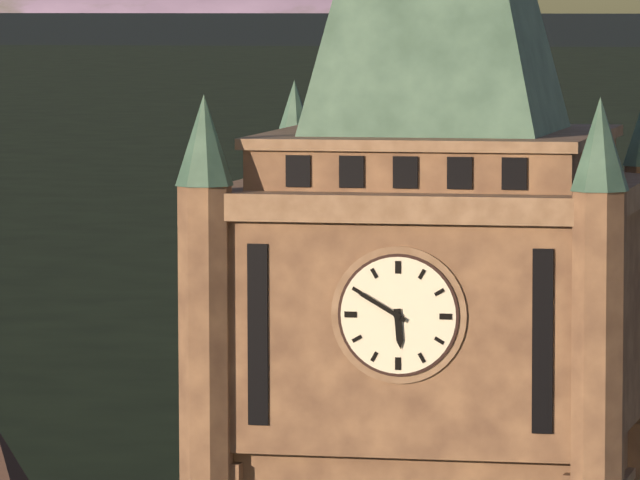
5:50
